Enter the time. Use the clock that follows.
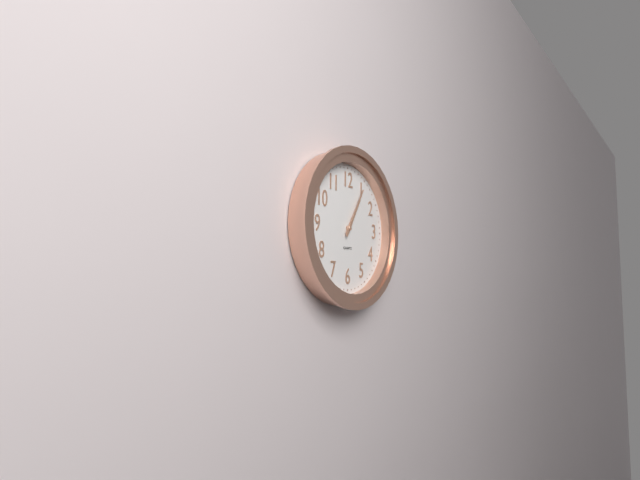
1:05
